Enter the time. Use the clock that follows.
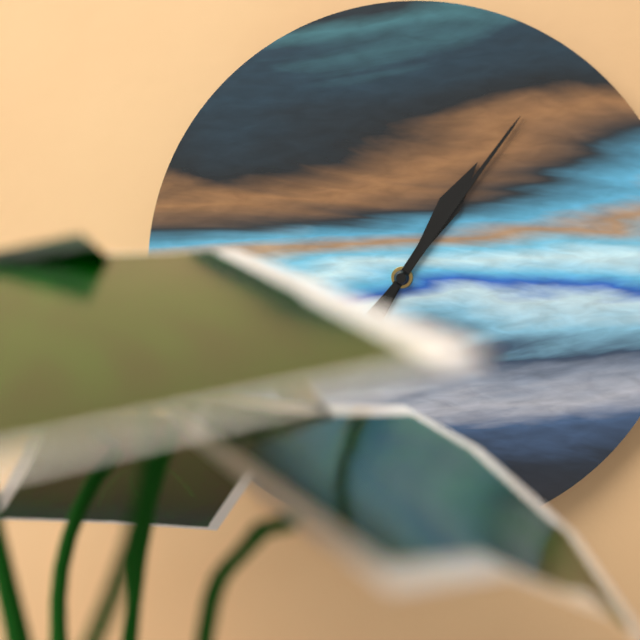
1:06
